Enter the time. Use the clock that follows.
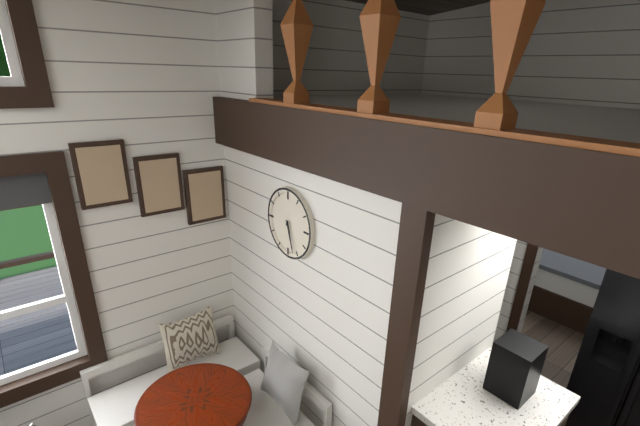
5:27
